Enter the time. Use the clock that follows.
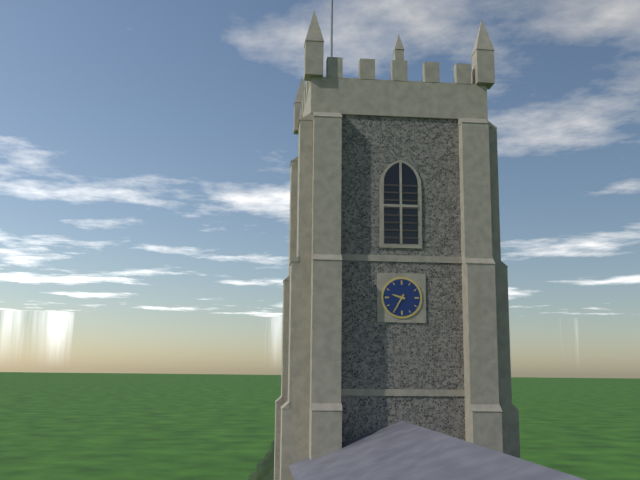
9:35
